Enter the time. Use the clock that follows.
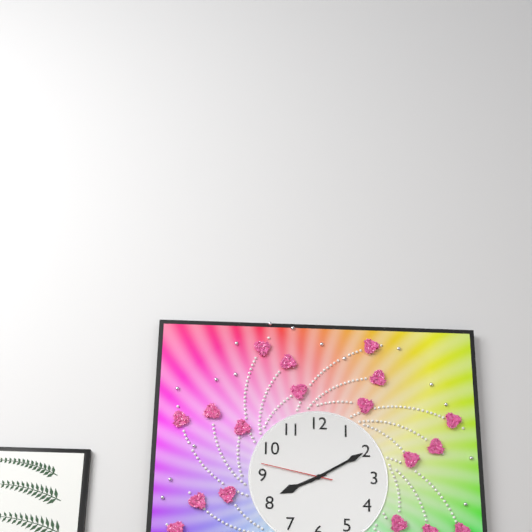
8:10:47
